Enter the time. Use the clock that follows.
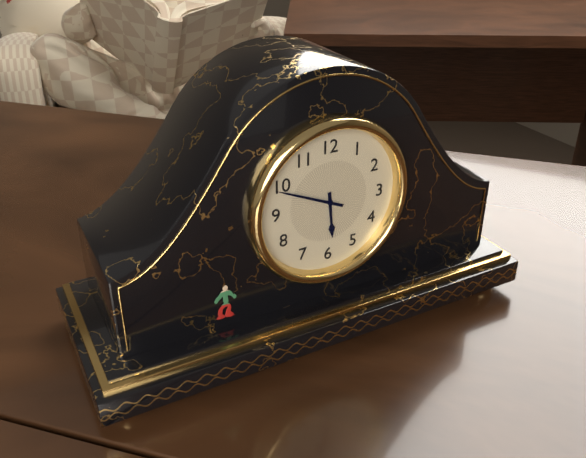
5:49
